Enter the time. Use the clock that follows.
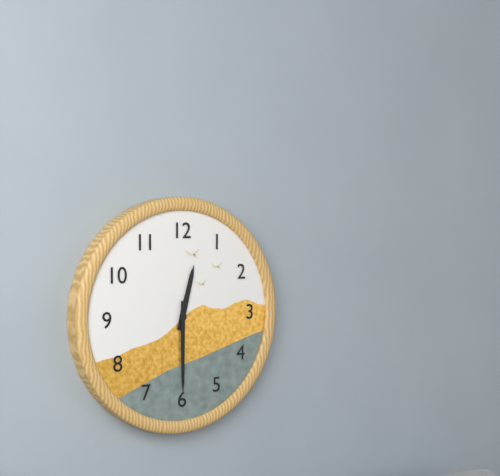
12:30
